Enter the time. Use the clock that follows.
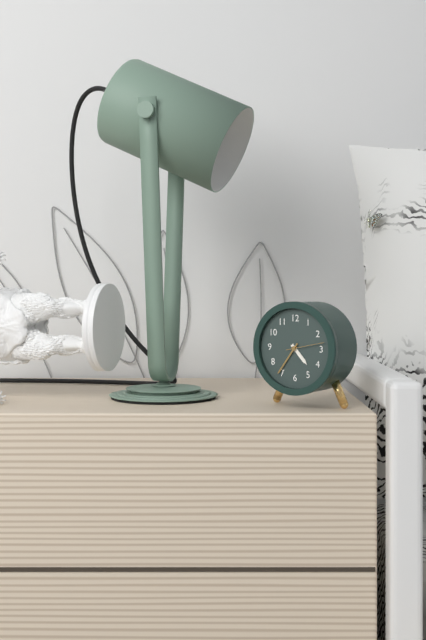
4:36
